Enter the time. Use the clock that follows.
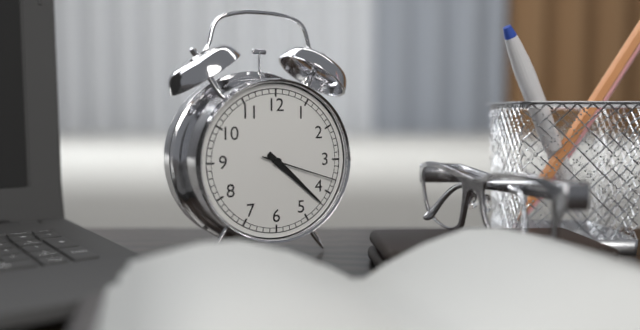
4:22:18
